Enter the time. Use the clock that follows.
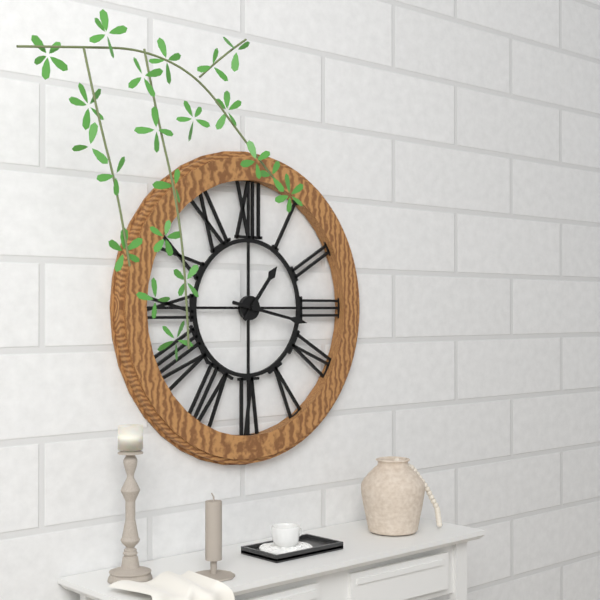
1:17
